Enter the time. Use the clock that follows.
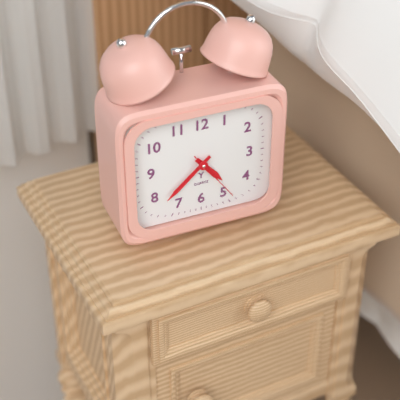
4:38:24
